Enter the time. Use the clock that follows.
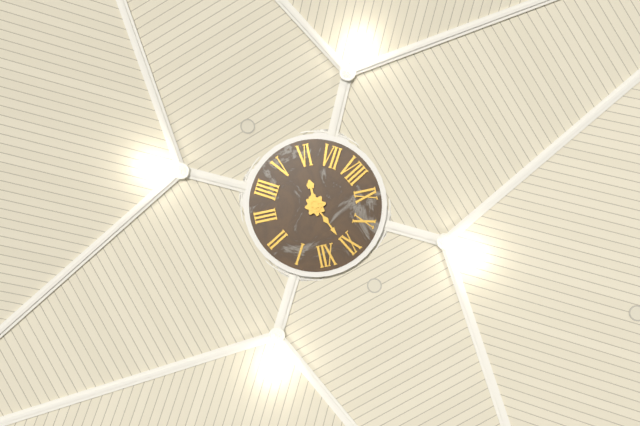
5:56
